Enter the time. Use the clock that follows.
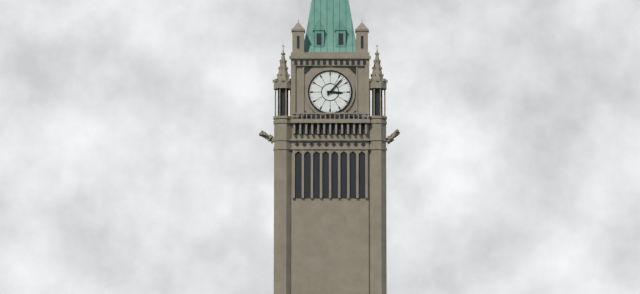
3:07
